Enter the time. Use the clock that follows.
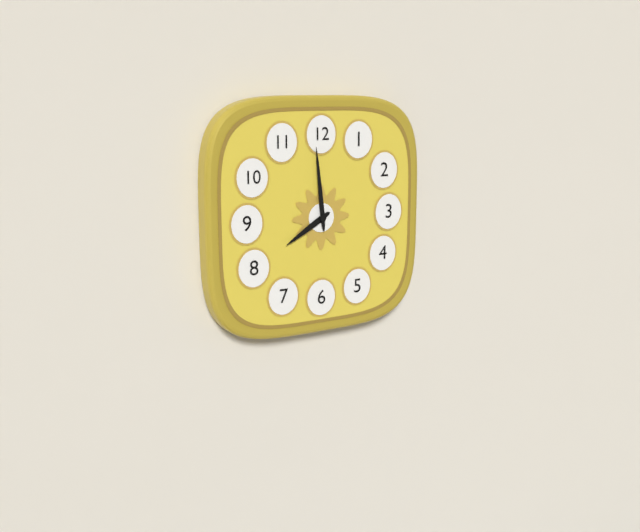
7:59
